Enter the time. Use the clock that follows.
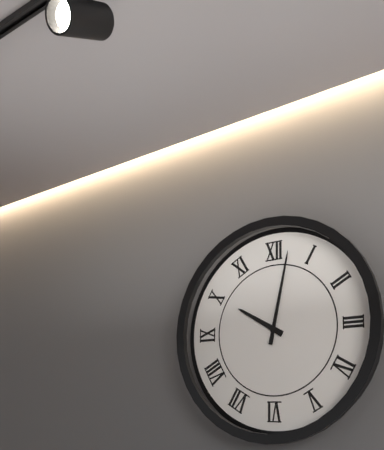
10:02
